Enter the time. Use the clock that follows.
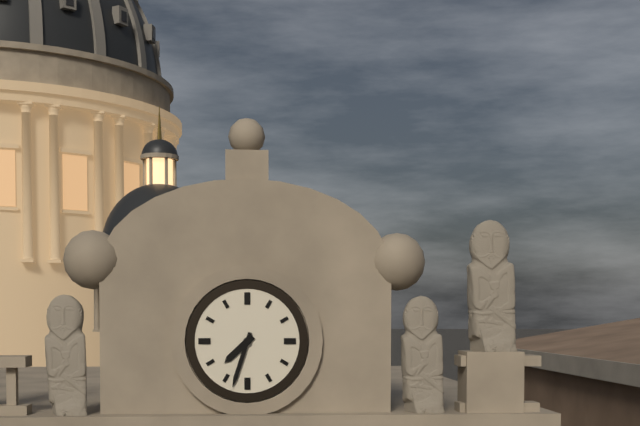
7:33
